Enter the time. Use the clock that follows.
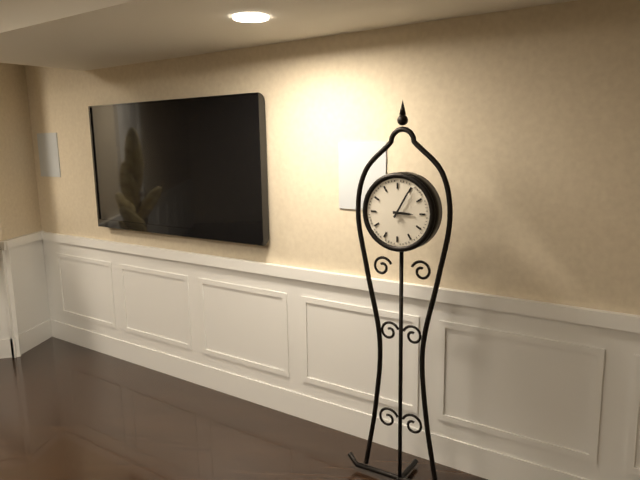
3:05
